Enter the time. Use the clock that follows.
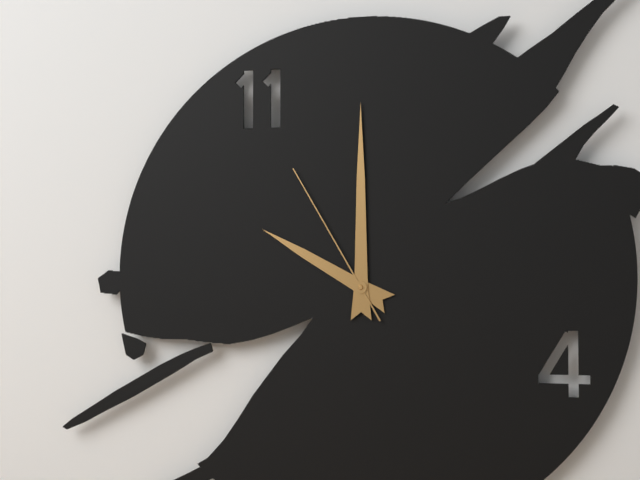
10:00:55
